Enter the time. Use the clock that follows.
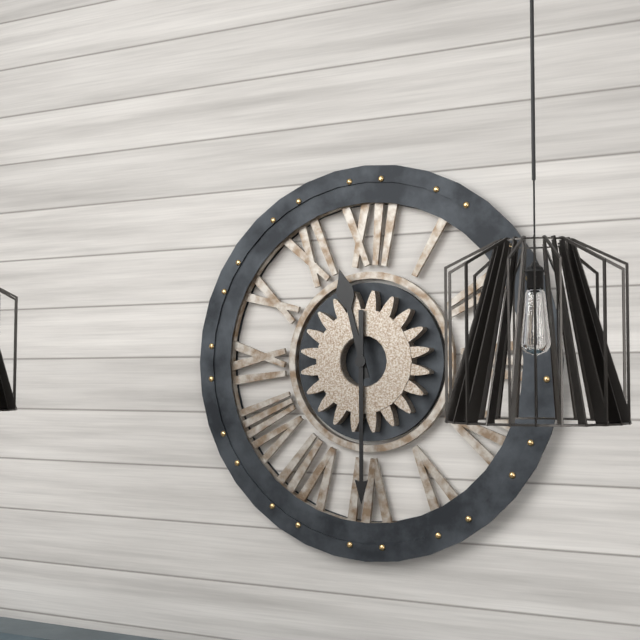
11:30
